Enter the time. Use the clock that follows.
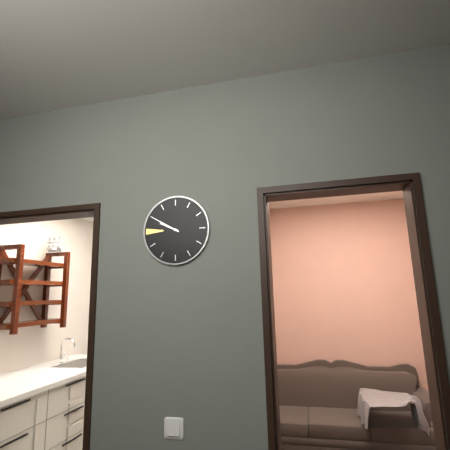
9:50
